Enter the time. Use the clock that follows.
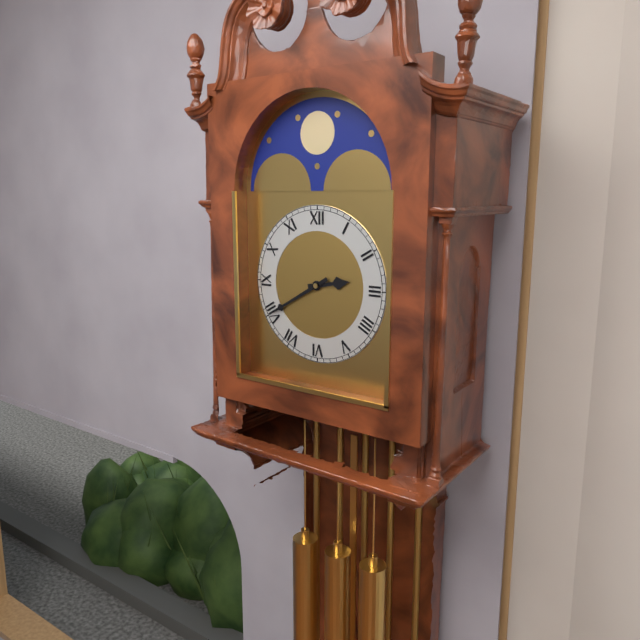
2:40
